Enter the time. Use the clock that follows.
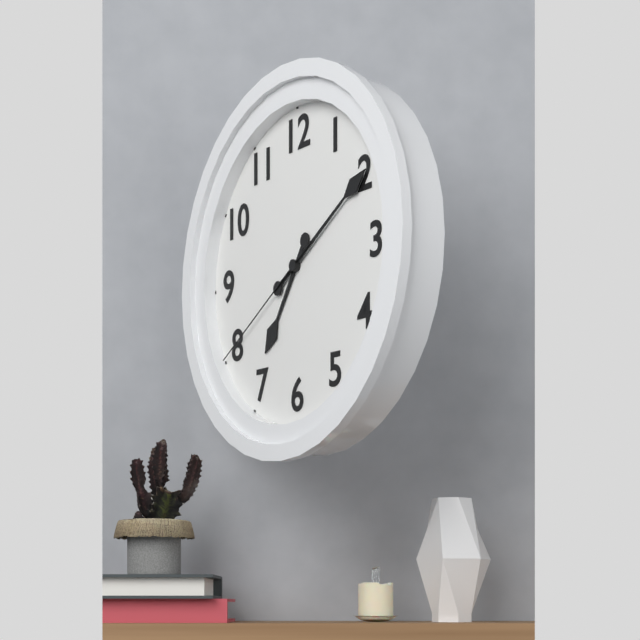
7:10:40
